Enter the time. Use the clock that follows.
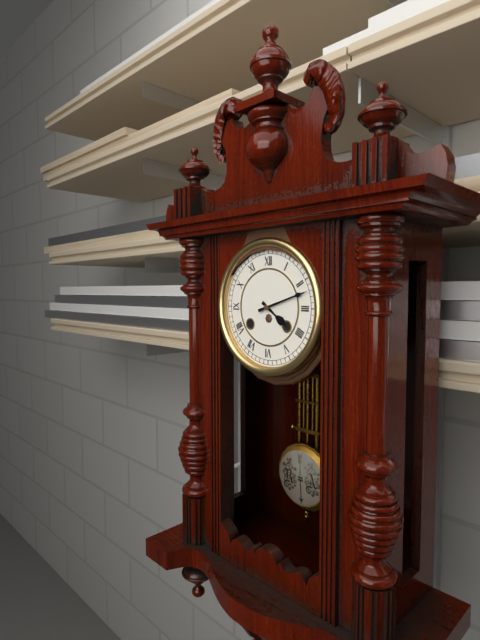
4:12
